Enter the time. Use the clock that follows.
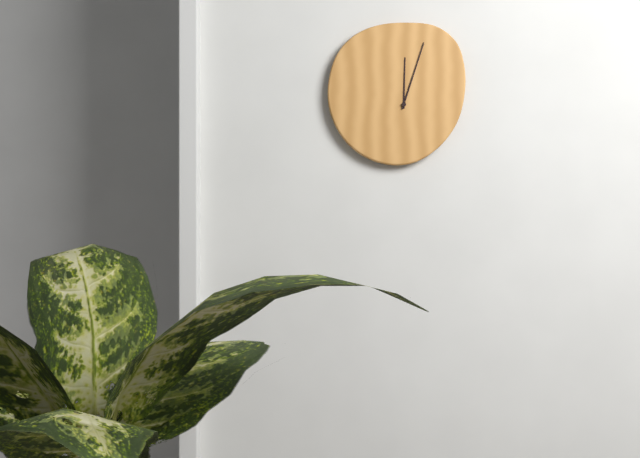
12:03
